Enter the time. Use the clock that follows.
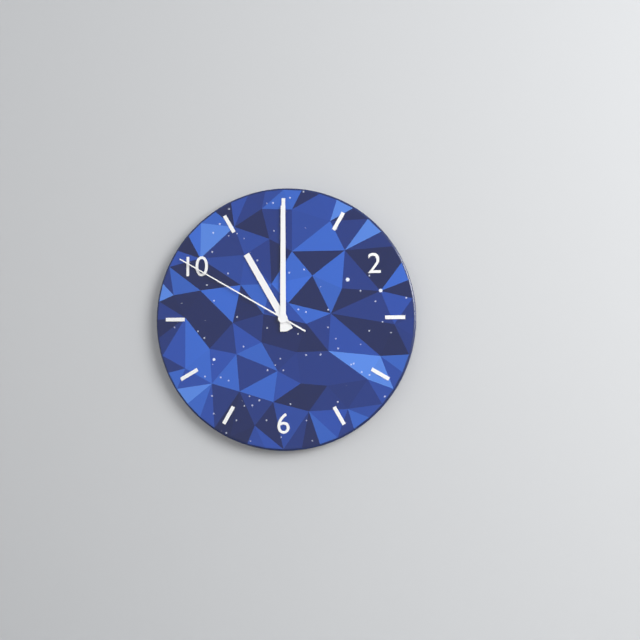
11:00:50
